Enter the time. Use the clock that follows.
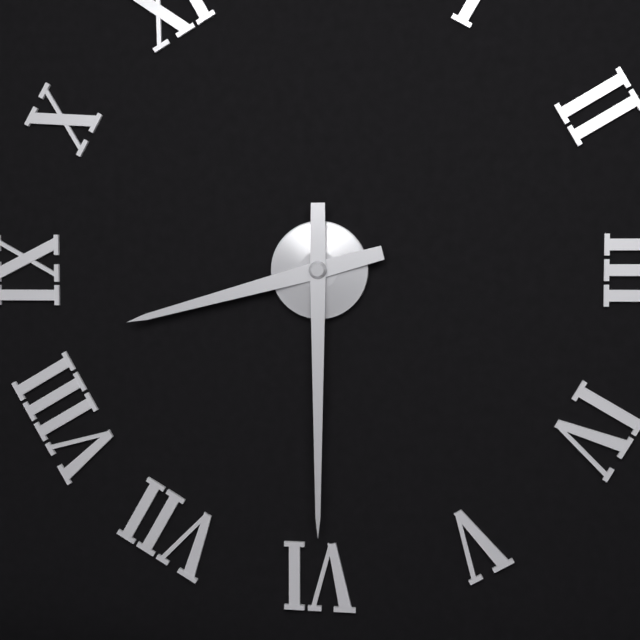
8:30
